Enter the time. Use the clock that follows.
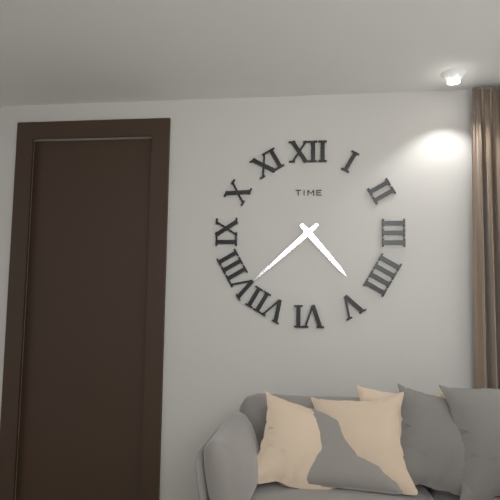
4:38
